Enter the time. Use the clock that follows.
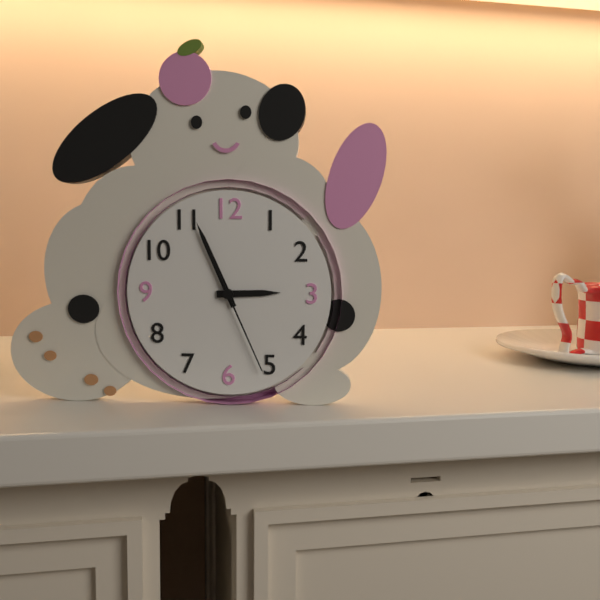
2:56:26
